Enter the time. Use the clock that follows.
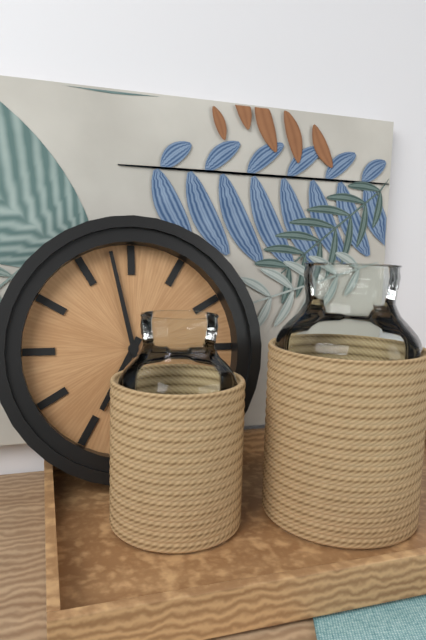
6:58
